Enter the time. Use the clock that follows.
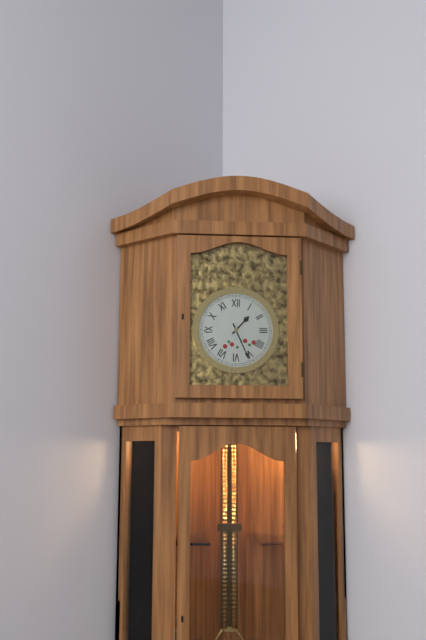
1:26
